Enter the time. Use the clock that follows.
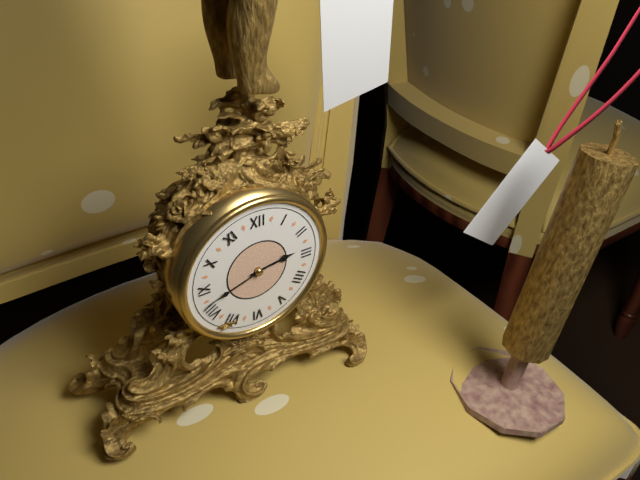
2:42
